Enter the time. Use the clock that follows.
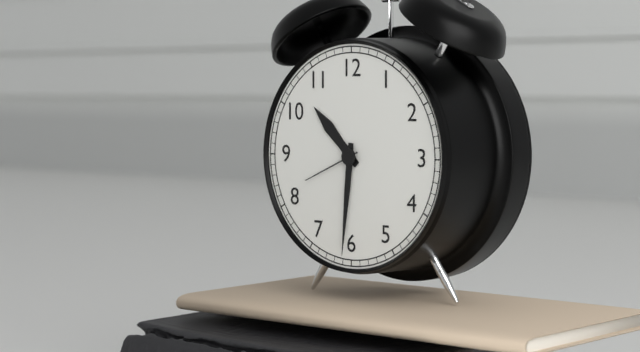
10:31:41
